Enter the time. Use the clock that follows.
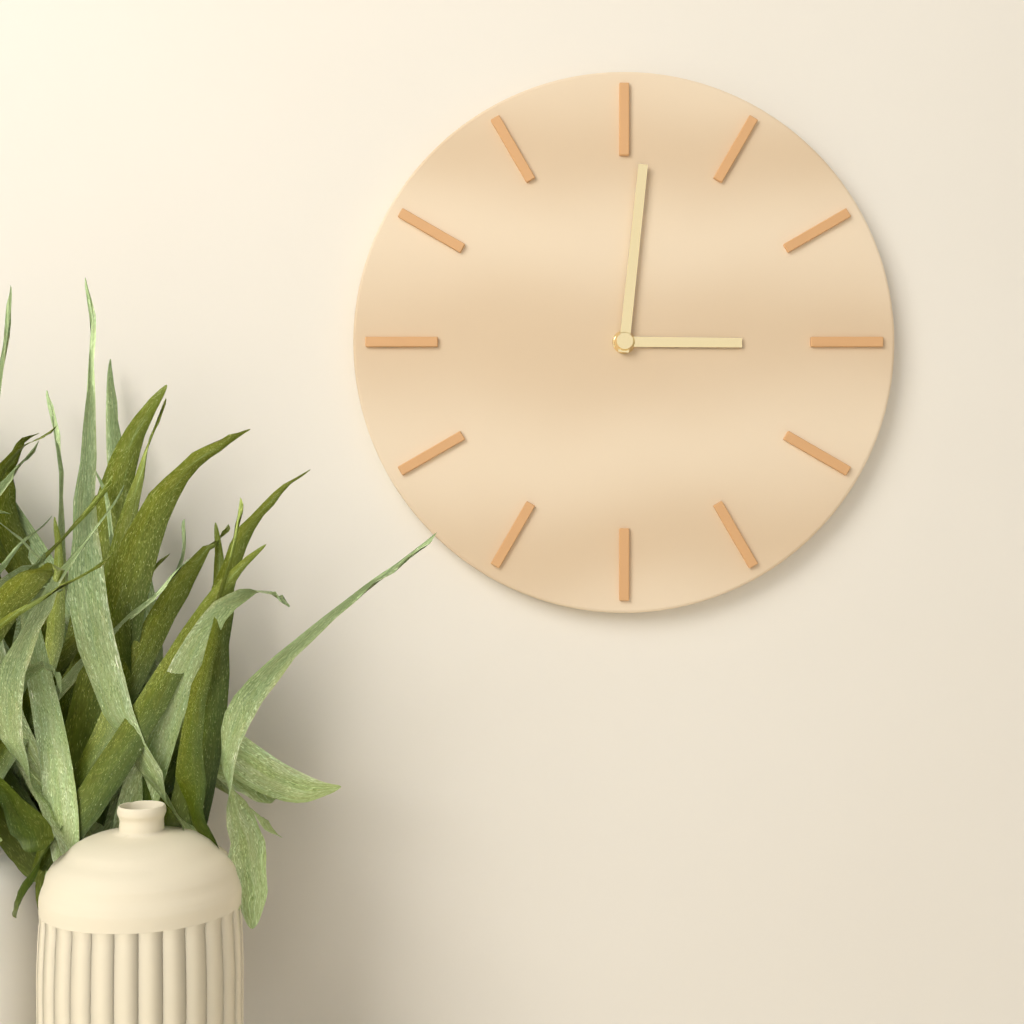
3:01
